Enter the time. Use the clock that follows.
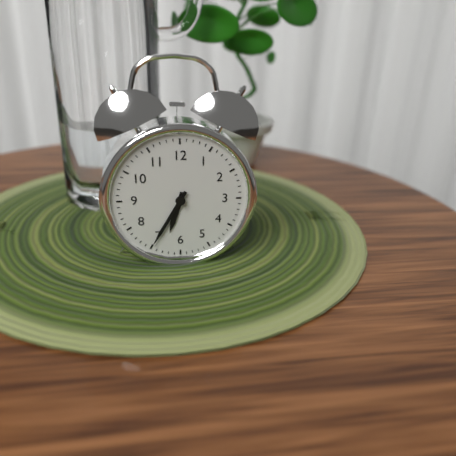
6:35
